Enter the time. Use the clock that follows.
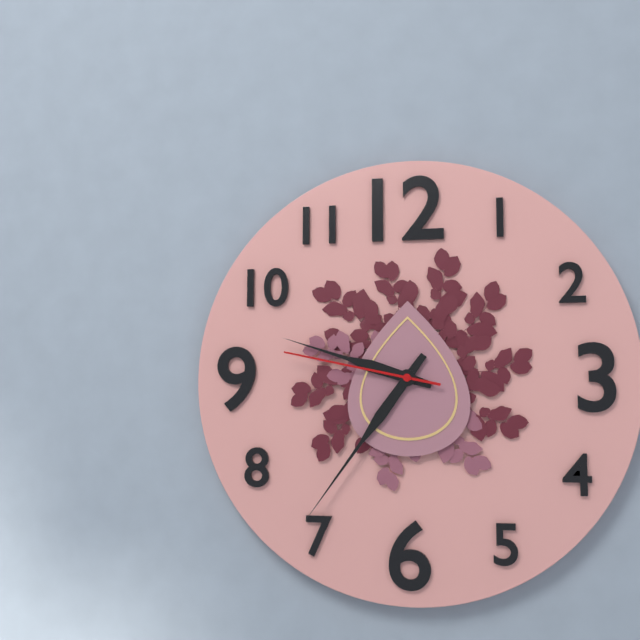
9:36:47
